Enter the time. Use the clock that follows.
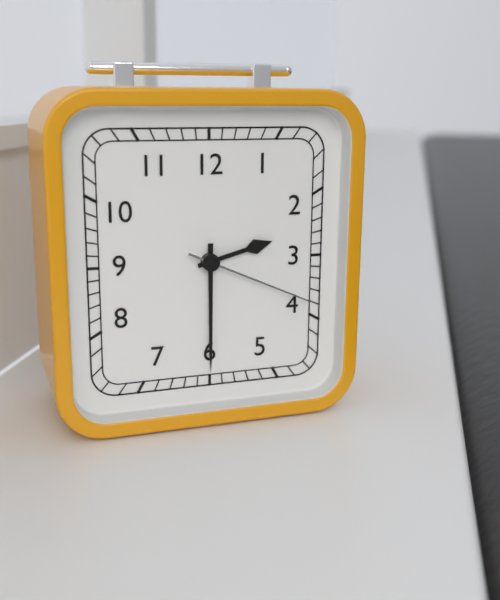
2:30:19
